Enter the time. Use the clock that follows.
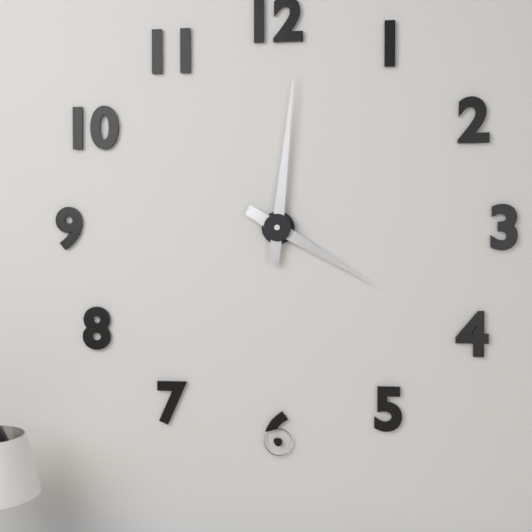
4:01
